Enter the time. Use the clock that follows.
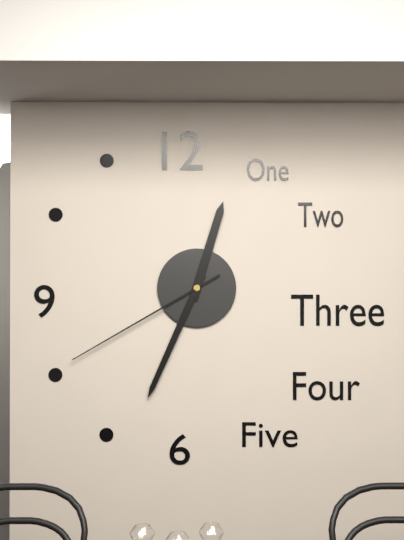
12:34:40
